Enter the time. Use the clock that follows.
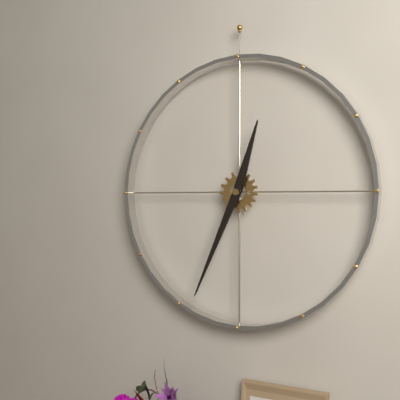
12:34
